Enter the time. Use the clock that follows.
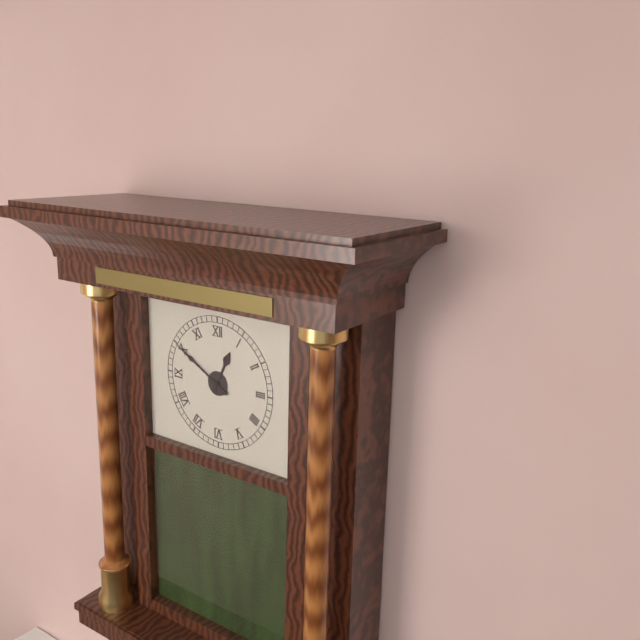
12:50
